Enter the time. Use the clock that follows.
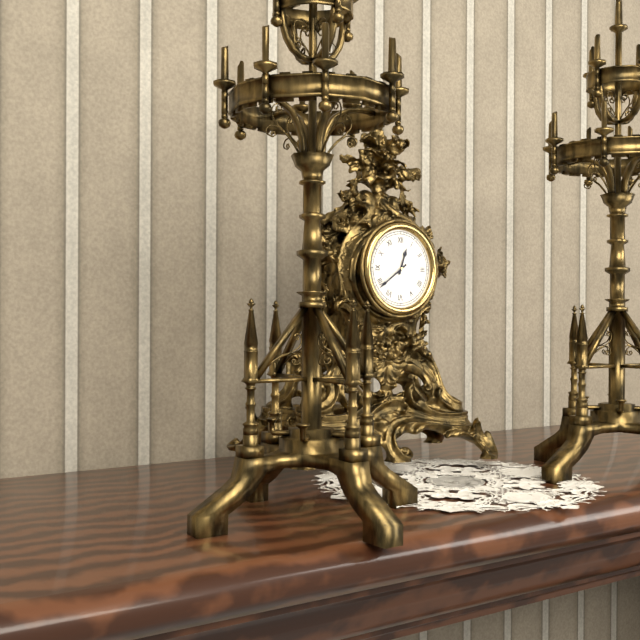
12:39
